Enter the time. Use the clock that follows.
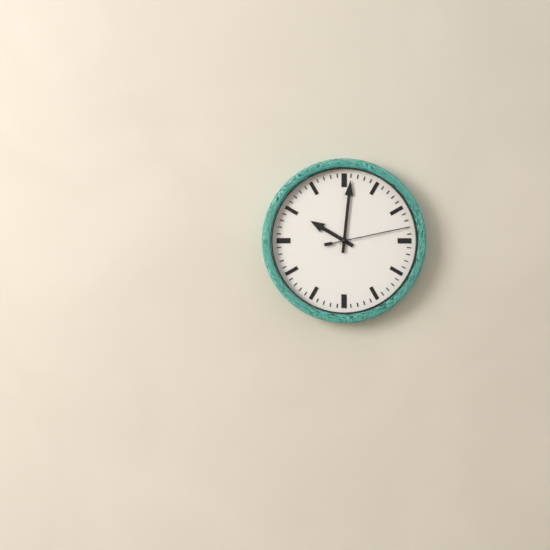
10:01:13
